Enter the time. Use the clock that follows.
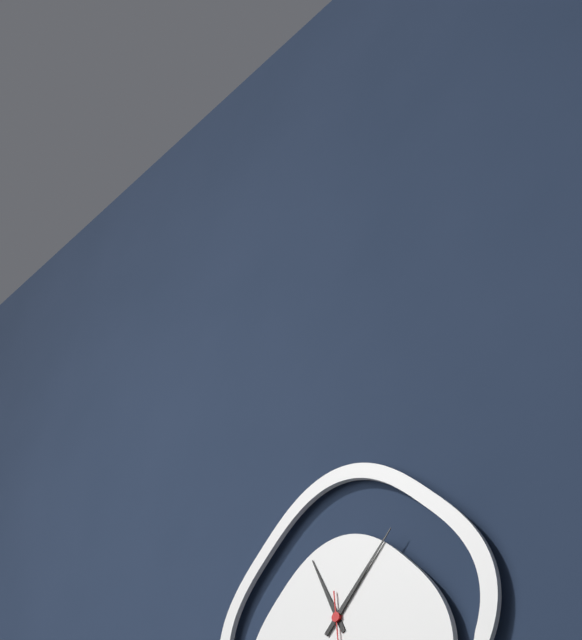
11:07
